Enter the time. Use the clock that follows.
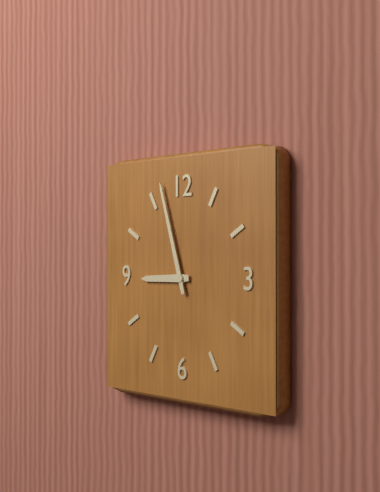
8:57
